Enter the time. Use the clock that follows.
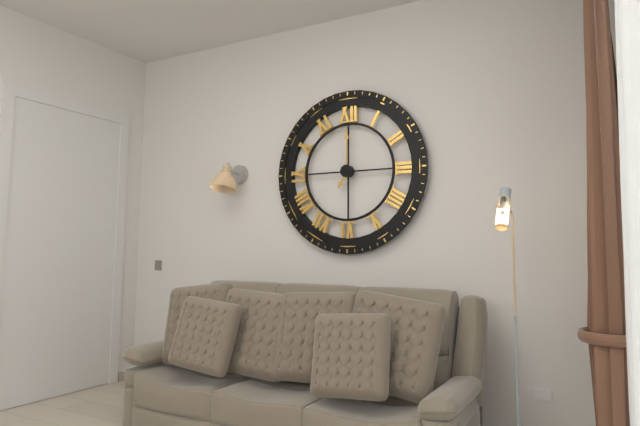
7:00
